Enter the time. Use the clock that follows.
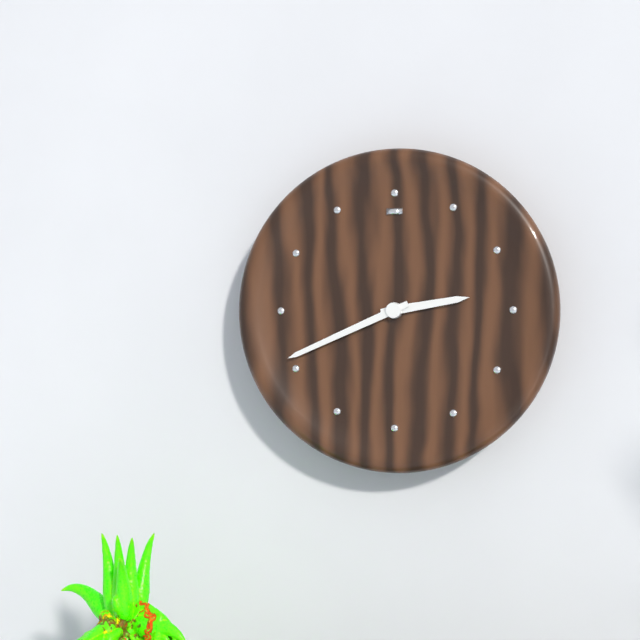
2:41
